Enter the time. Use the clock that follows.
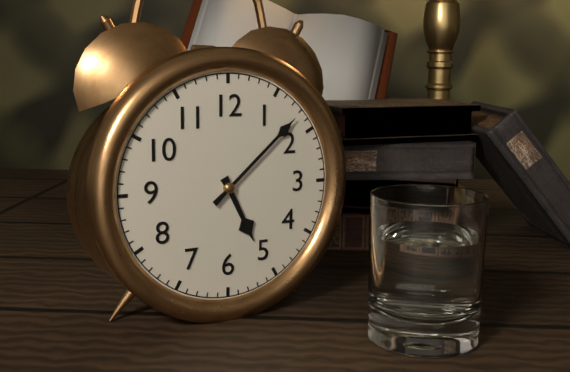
5:08
